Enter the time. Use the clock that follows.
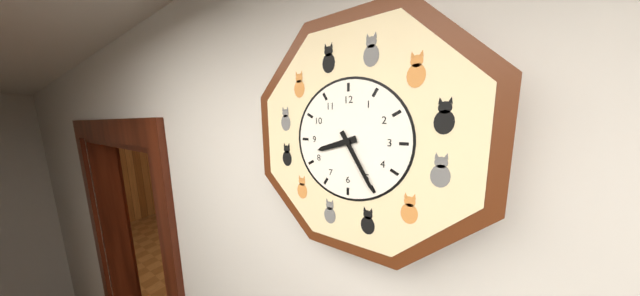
8:25
